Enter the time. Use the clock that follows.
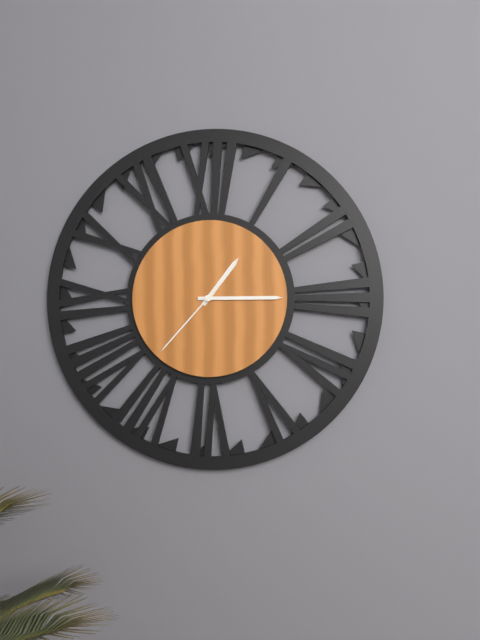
1:15:37
